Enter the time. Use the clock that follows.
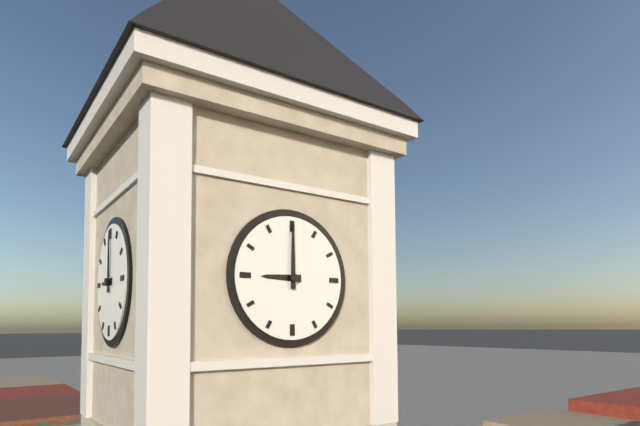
9:00
